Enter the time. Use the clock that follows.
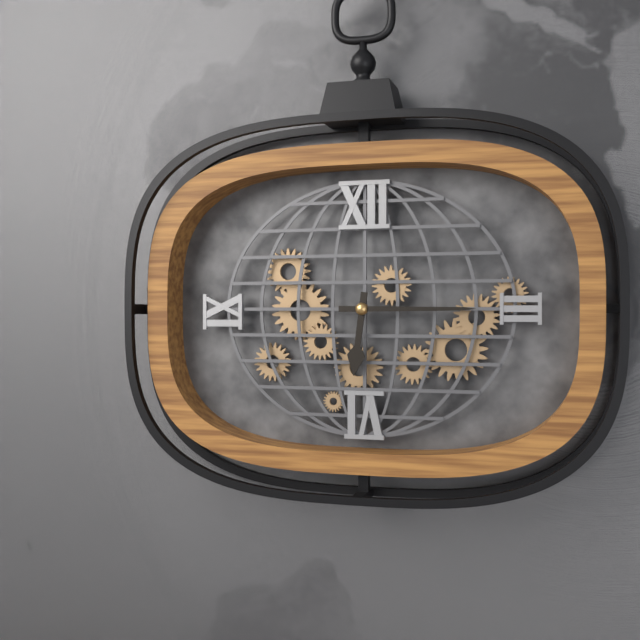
6:15
